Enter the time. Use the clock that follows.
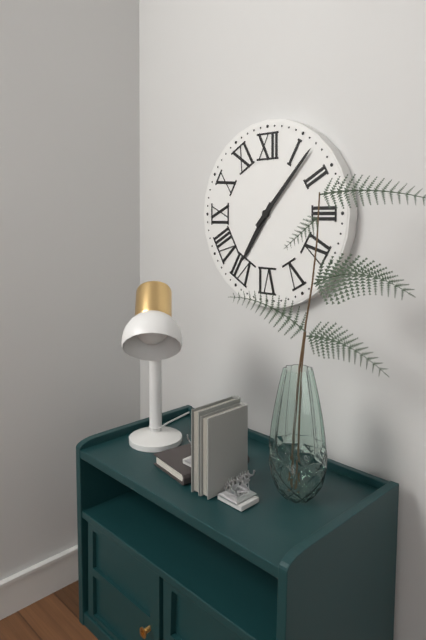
7:07
